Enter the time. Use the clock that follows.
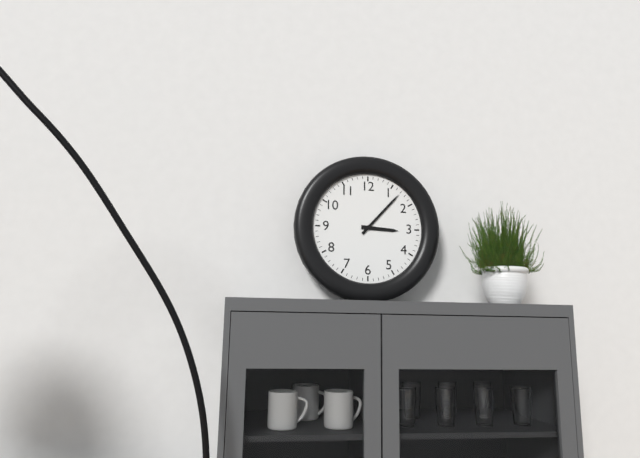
3:07
